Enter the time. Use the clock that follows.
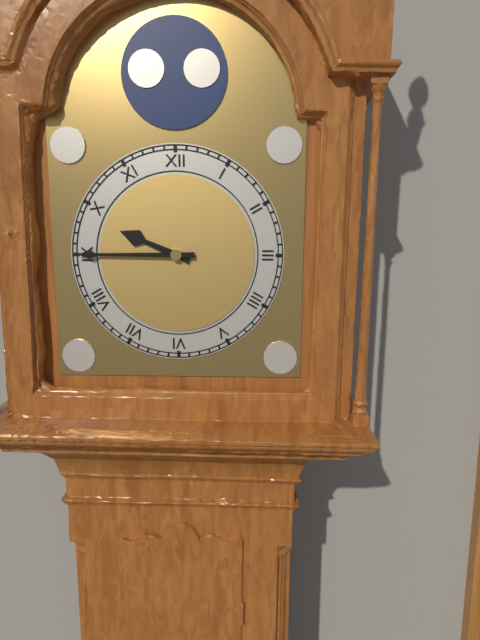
9:45
